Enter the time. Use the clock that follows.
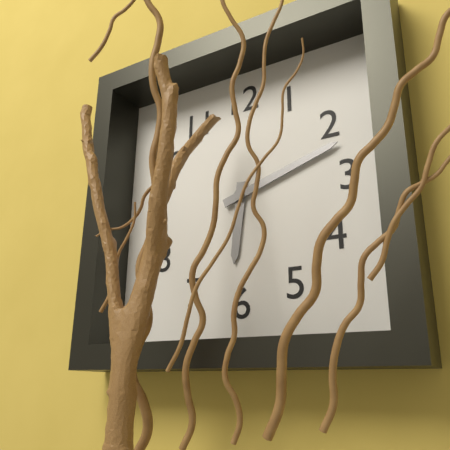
6:12
